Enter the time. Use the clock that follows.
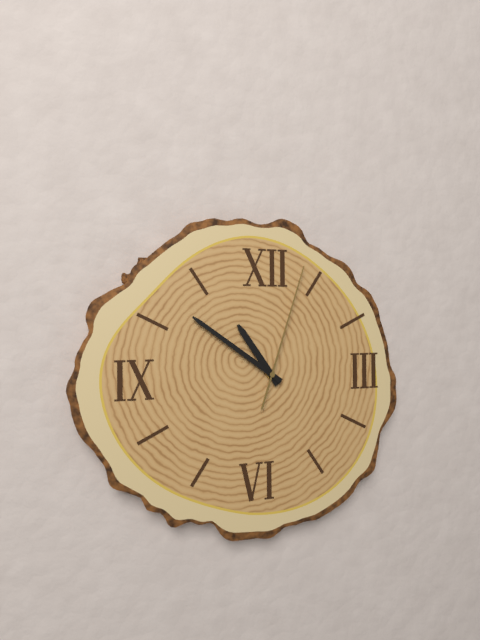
10:51:03
